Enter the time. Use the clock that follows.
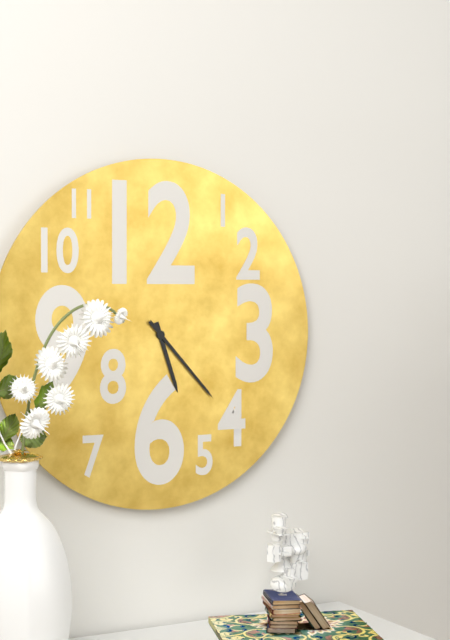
5:23
